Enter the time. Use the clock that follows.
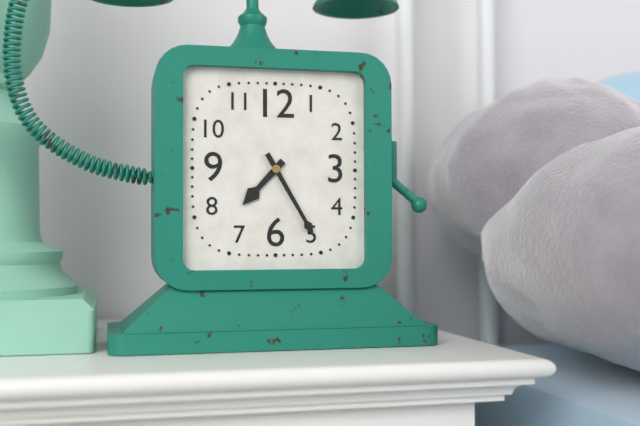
7:25
